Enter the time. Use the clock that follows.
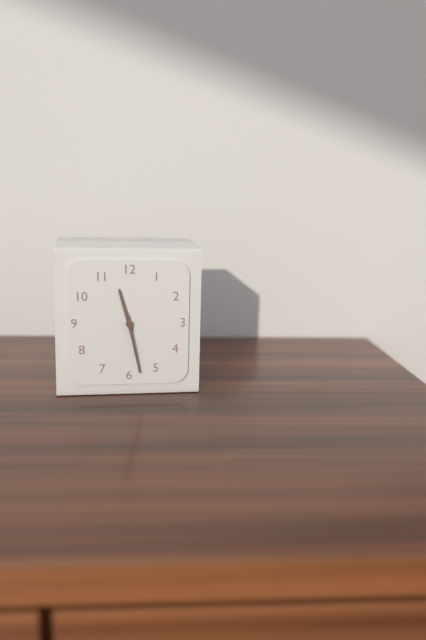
11:28
